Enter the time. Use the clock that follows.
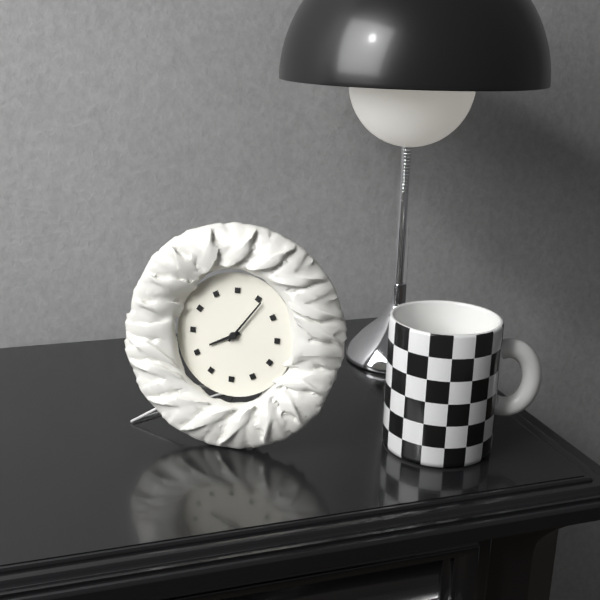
8:06
